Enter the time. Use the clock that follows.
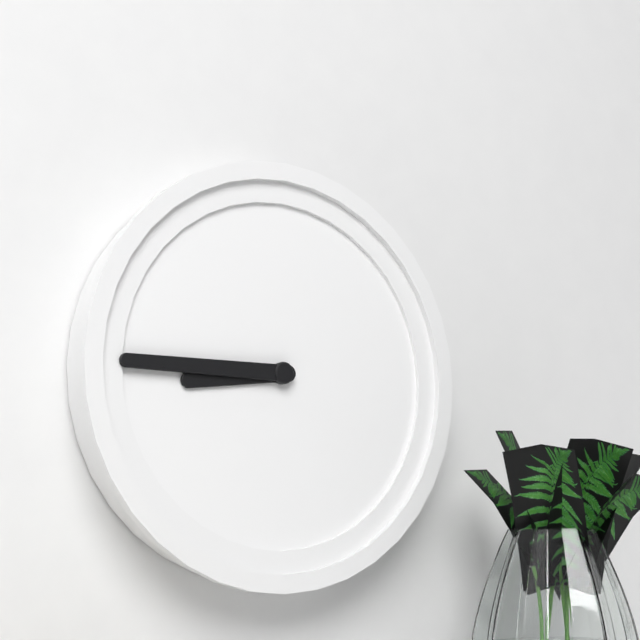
8:45
